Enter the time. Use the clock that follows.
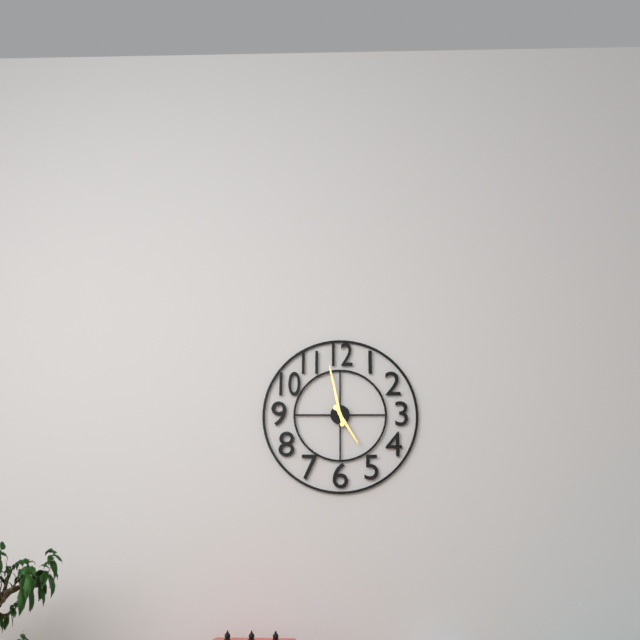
4:58
